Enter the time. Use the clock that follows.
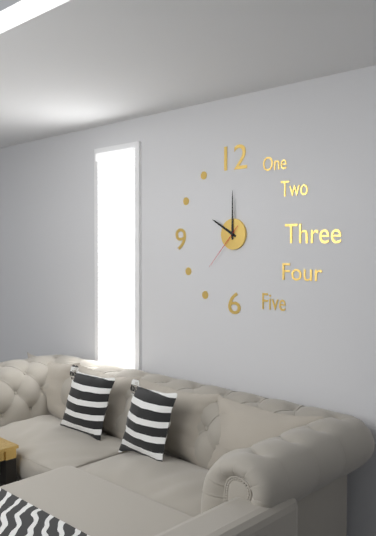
10:00:37
